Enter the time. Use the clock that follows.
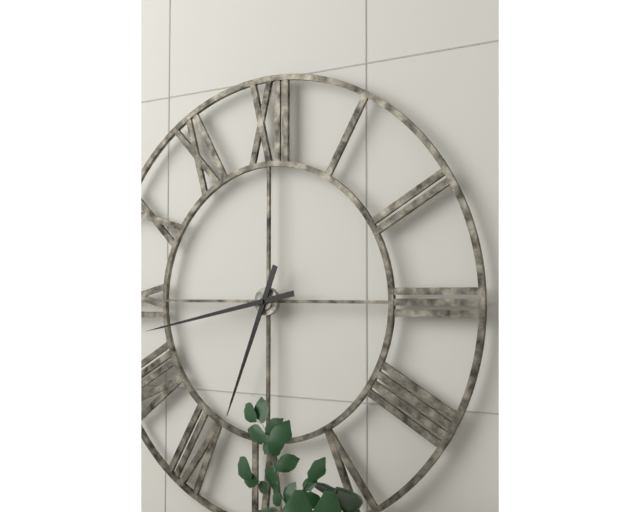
6:43
